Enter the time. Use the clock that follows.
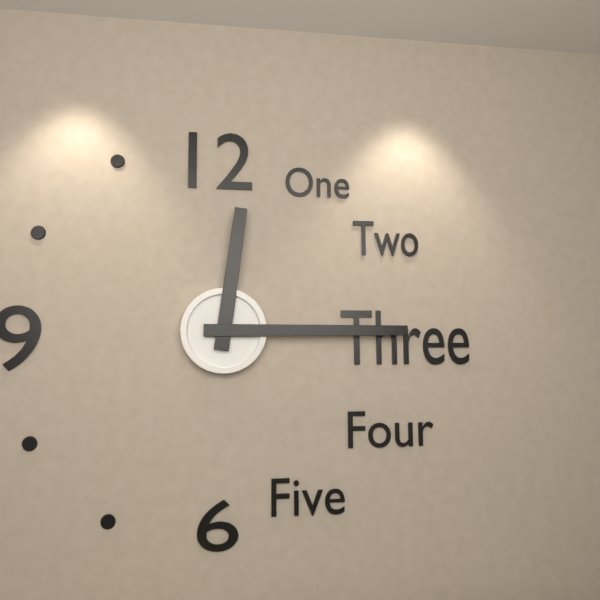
12:15
